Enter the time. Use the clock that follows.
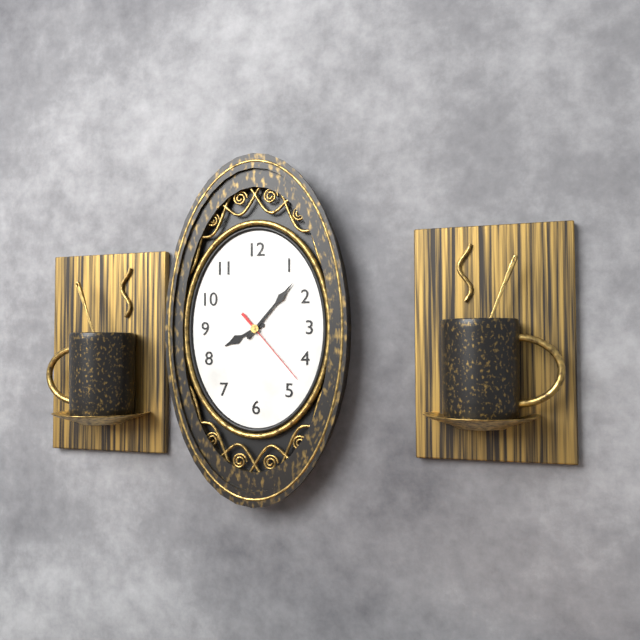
8:07:23
